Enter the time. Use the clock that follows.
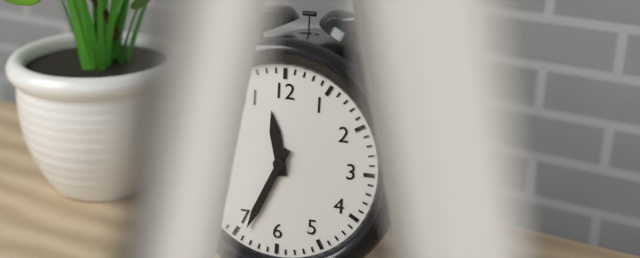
11:34
